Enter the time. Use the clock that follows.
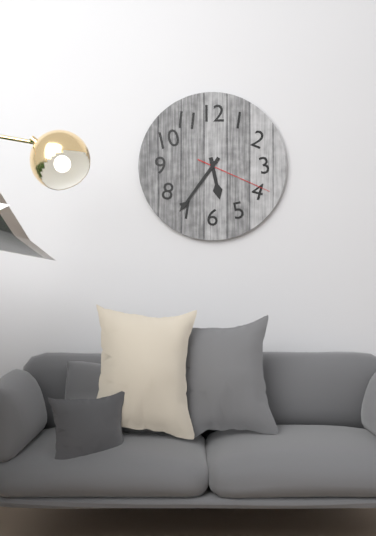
5:36:19
